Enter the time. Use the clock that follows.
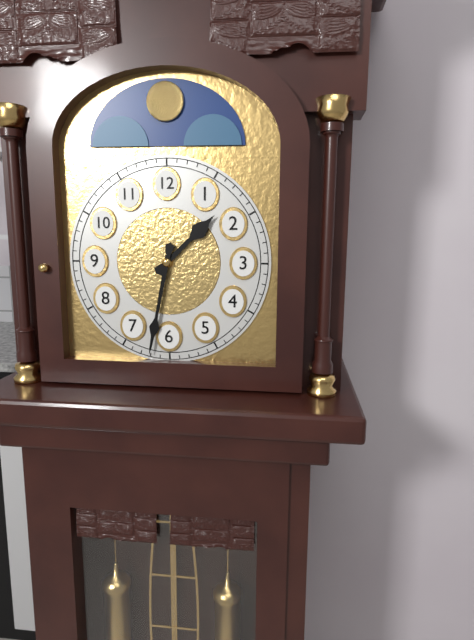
1:32
